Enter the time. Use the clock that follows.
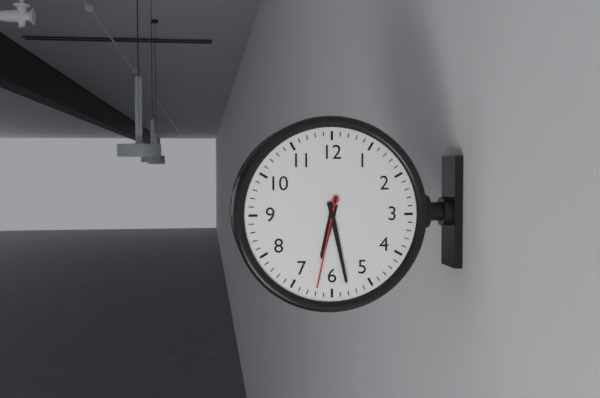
6:28:32
